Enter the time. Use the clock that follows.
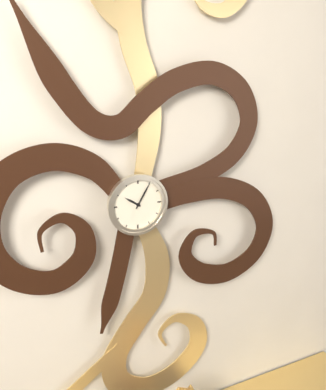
10:05
